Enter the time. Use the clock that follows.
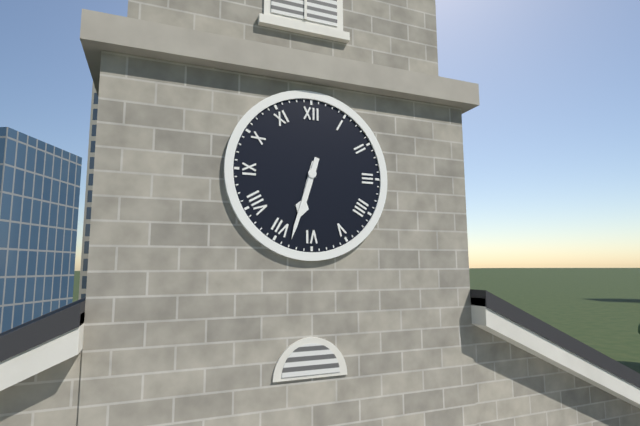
6:33
